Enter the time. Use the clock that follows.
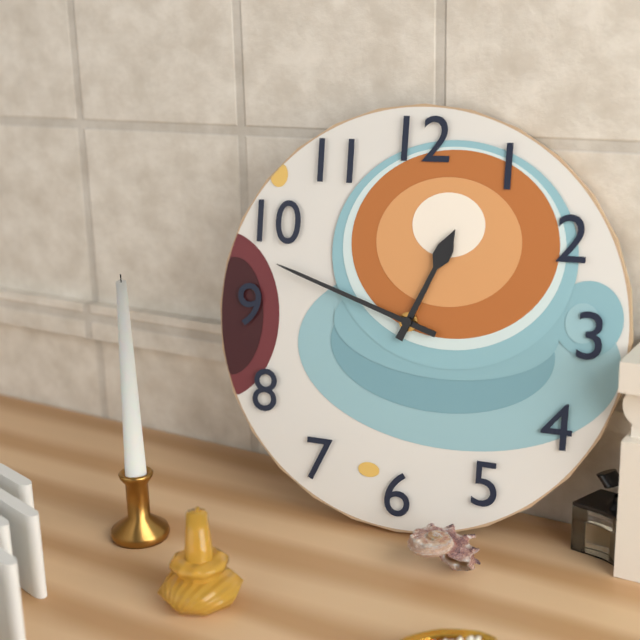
12:48
